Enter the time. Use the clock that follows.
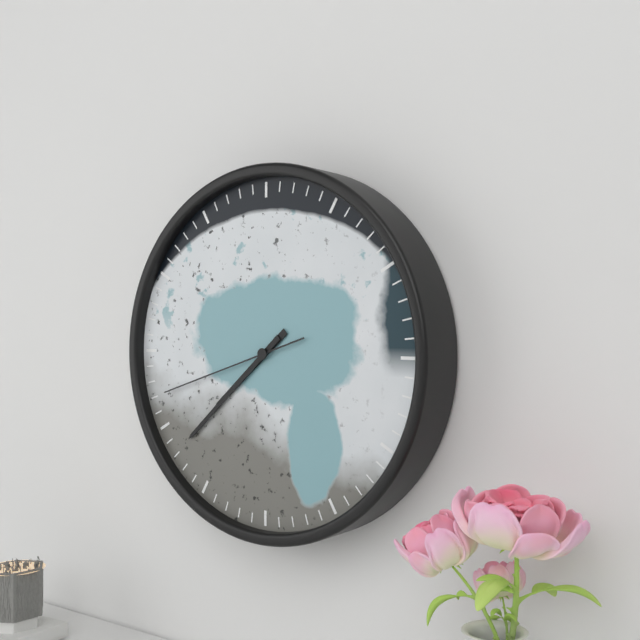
7:38:42
